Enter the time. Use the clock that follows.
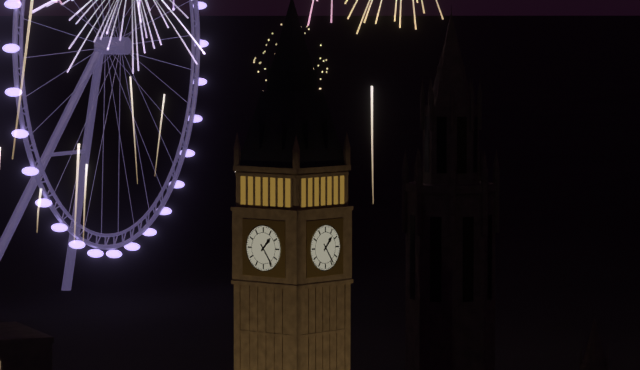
1:24
